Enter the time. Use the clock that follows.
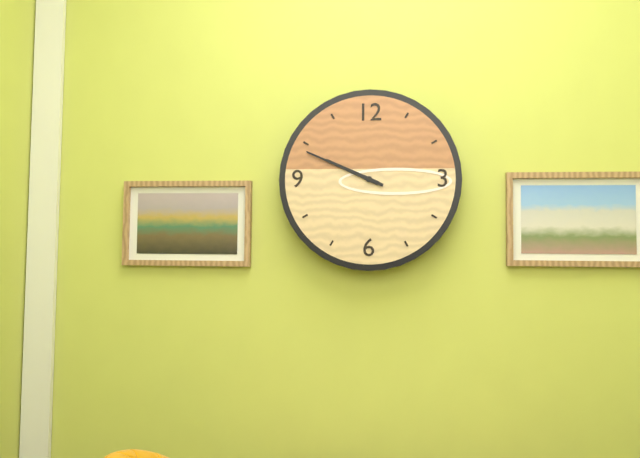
9:49
